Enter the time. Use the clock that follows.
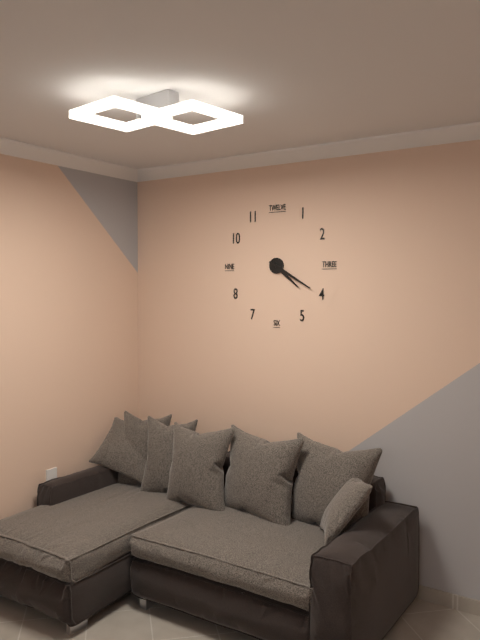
4:20
